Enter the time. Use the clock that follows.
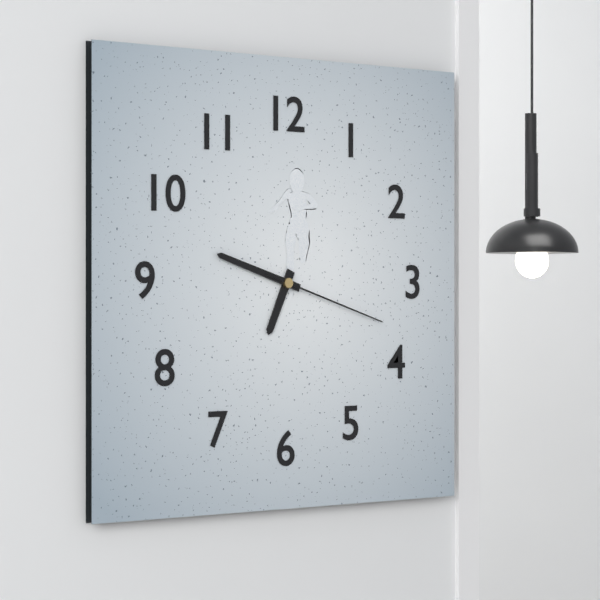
6:48:18
